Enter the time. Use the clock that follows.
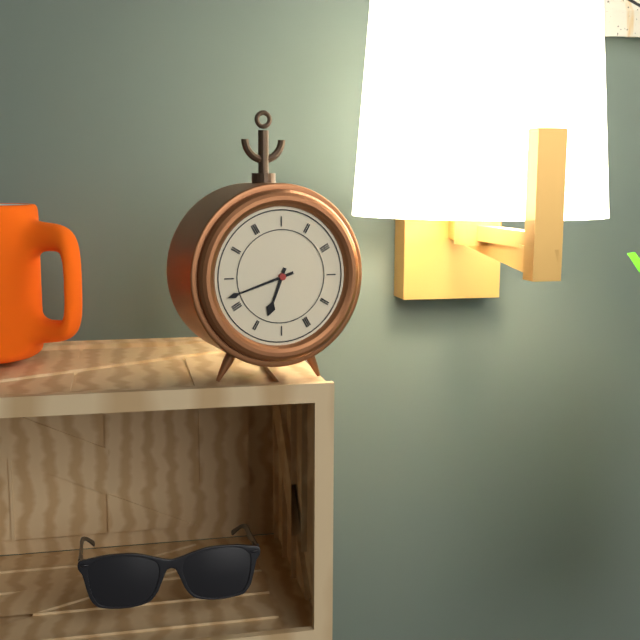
6:42
